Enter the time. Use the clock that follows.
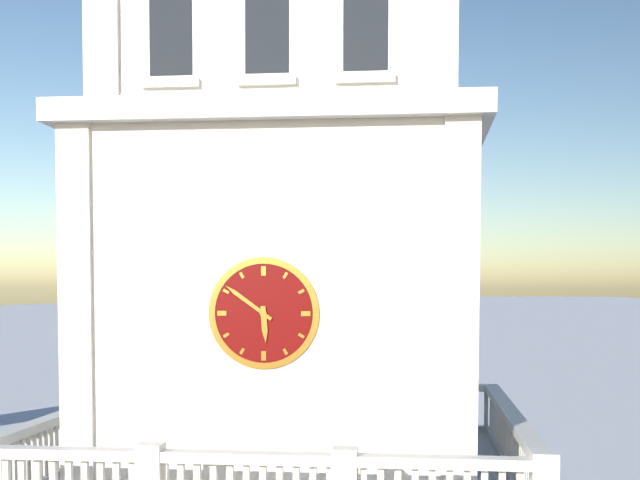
5:51
